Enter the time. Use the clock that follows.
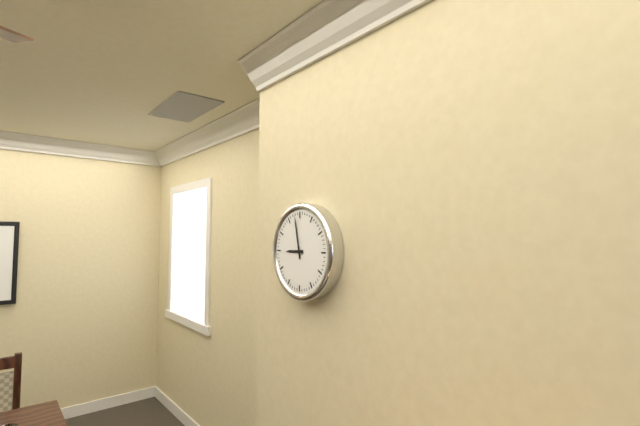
8:58
